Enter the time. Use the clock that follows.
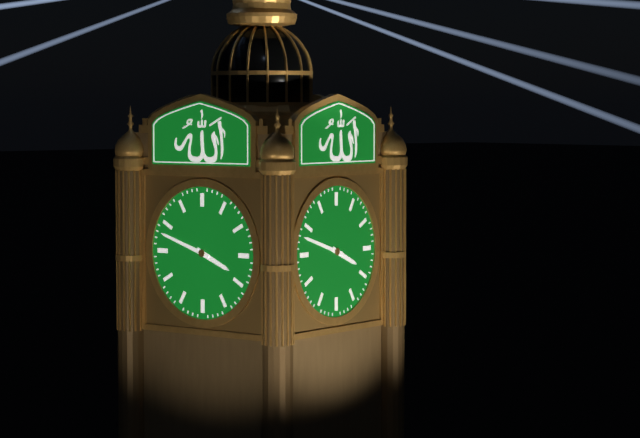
3:48
